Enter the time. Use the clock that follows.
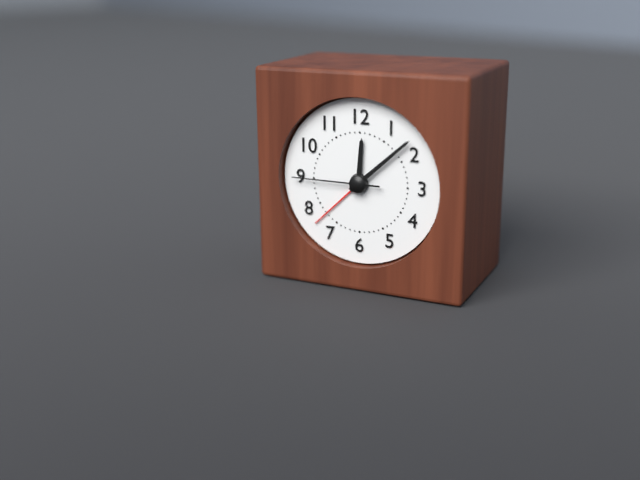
12:08:45
